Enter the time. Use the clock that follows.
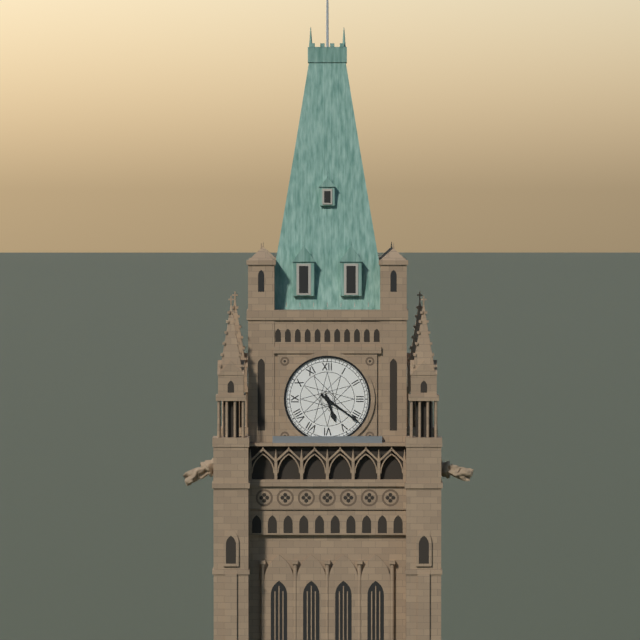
5:21
